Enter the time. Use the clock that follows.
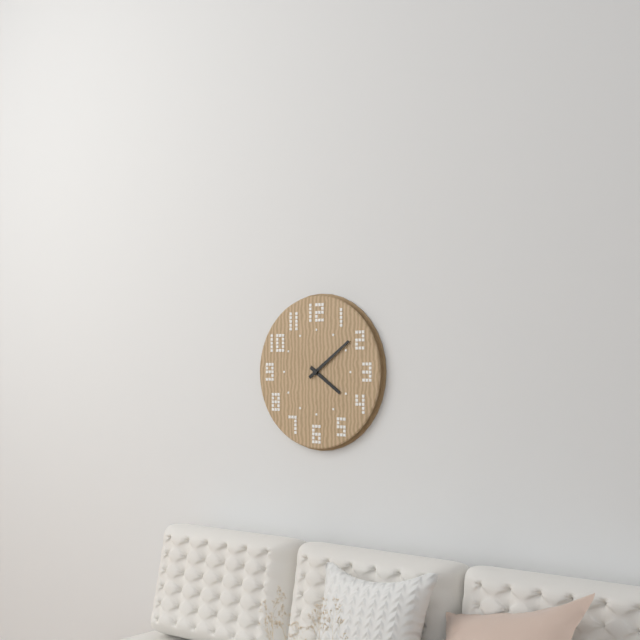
4:09
